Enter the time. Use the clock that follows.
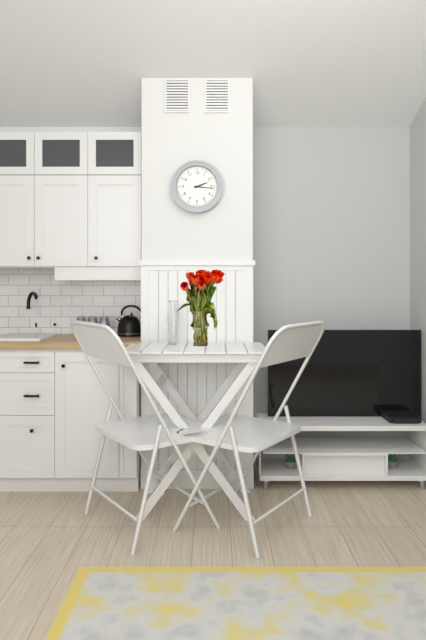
2:16
